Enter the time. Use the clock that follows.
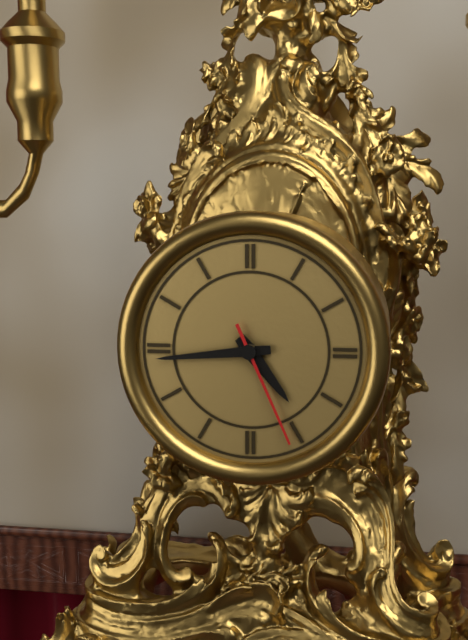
4:44:26
